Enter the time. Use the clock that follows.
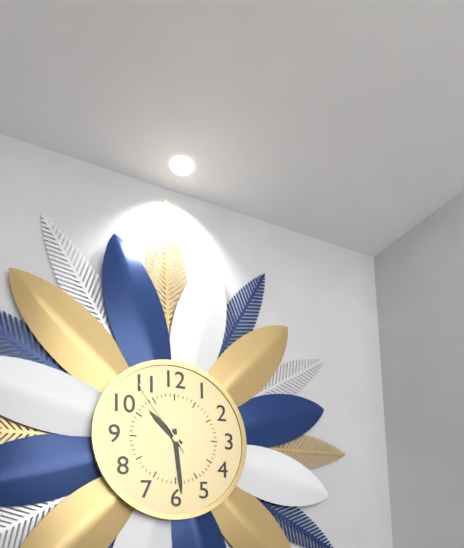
10:29:54
